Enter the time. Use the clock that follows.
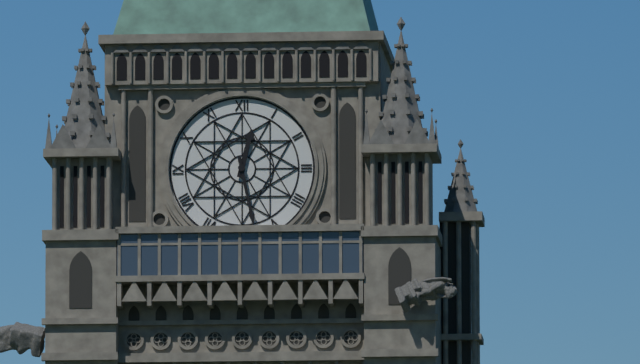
12:28
